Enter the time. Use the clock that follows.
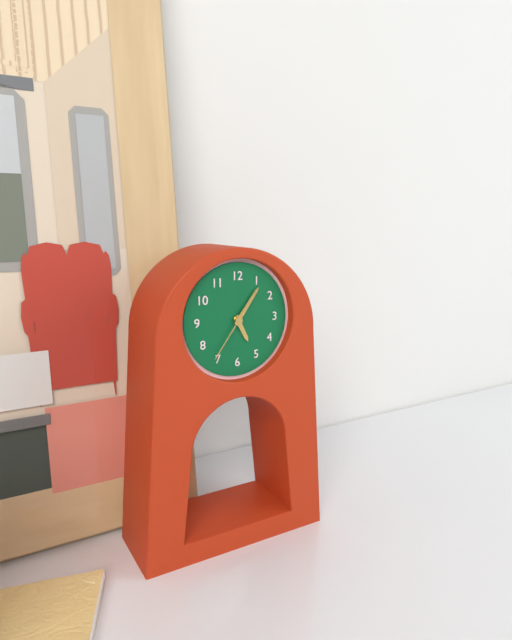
5:06:36
